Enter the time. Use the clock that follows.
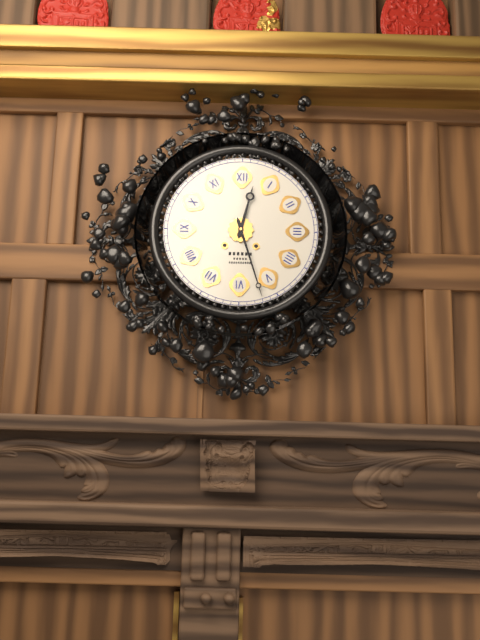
12:27
